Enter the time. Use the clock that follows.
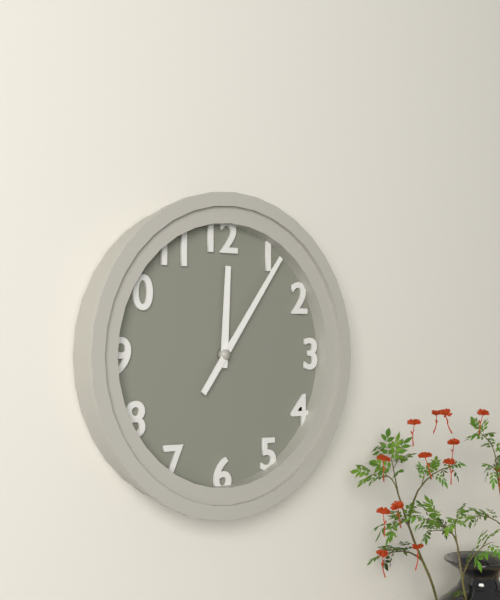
12:06
